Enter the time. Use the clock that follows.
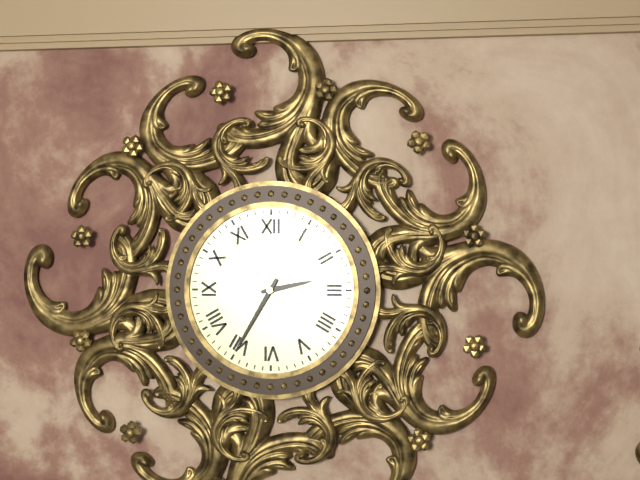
2:35
